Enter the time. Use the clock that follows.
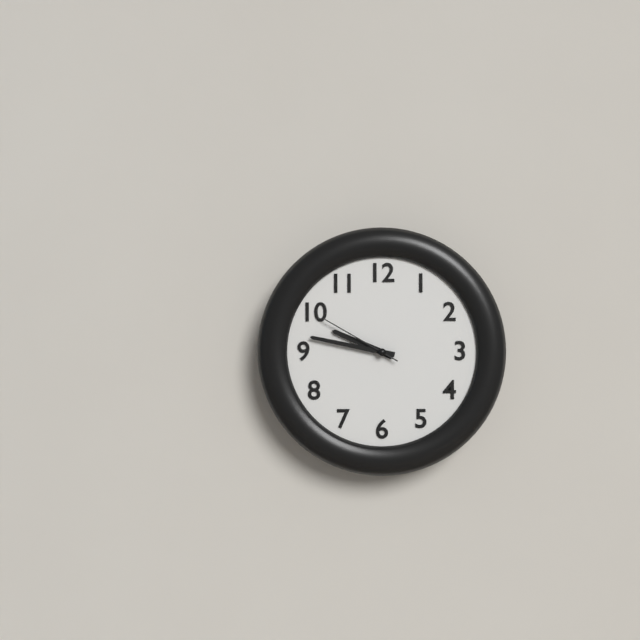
9:47:50
